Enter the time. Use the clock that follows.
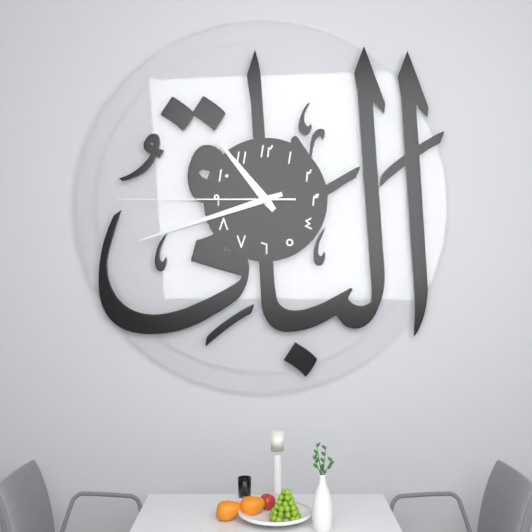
10:42:45
